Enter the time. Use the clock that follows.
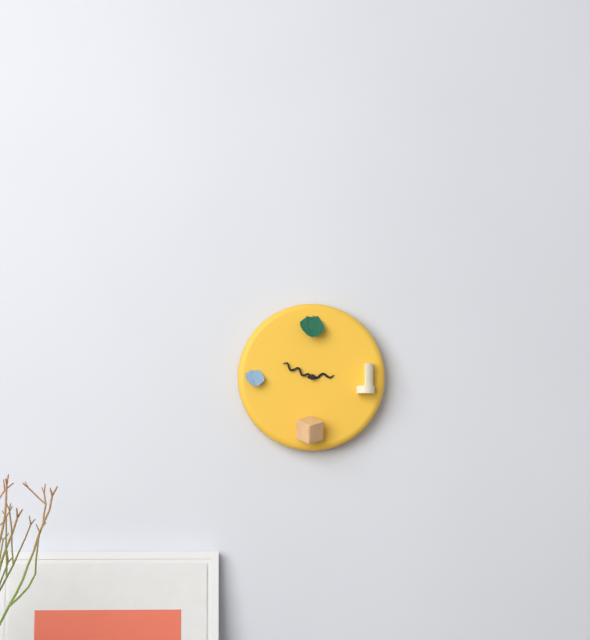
2:49
